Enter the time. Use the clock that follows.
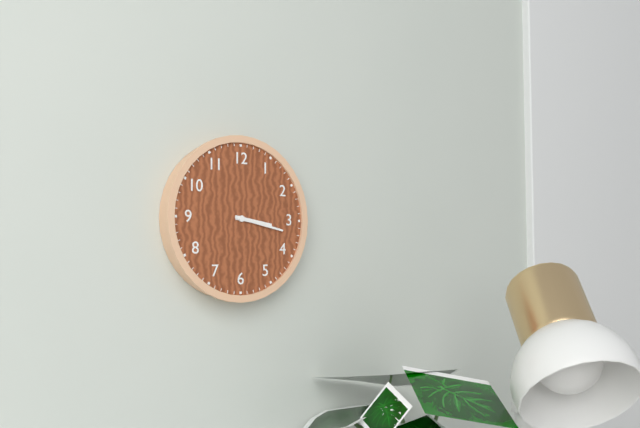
3:17
